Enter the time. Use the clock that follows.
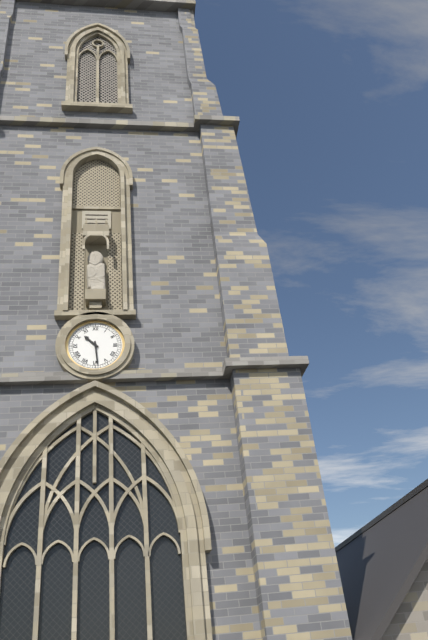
10:29
